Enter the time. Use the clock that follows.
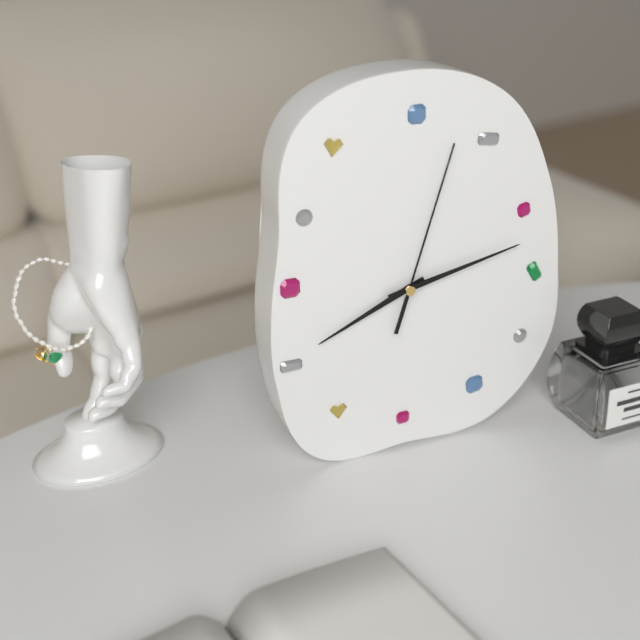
8:13:03
